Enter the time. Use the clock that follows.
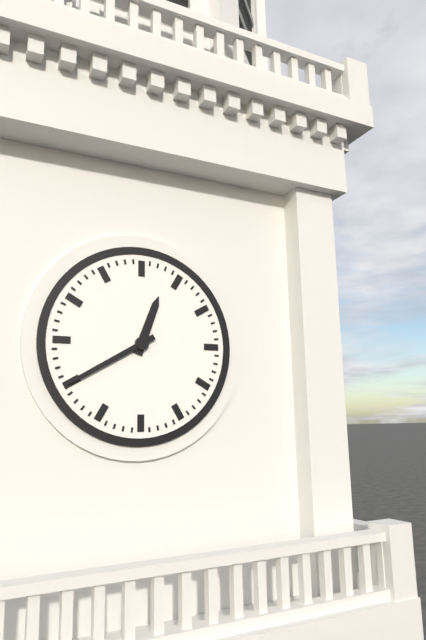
12:40
